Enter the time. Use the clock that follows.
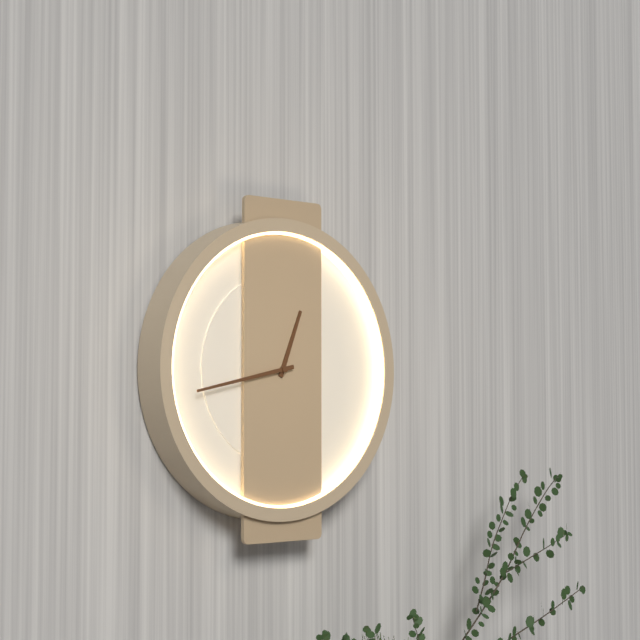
12:43
